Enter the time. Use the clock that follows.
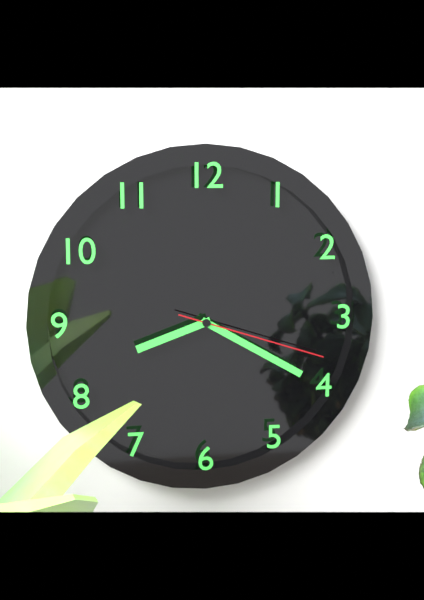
8:20:18
